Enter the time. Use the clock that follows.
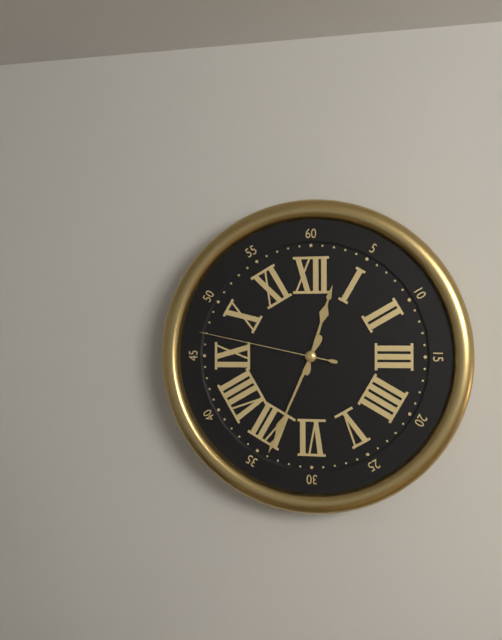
12:34:47
